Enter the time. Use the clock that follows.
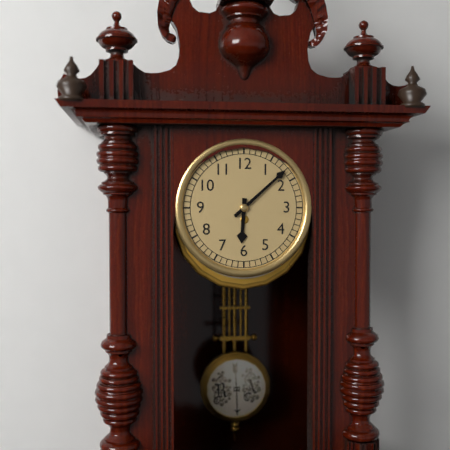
6:08
